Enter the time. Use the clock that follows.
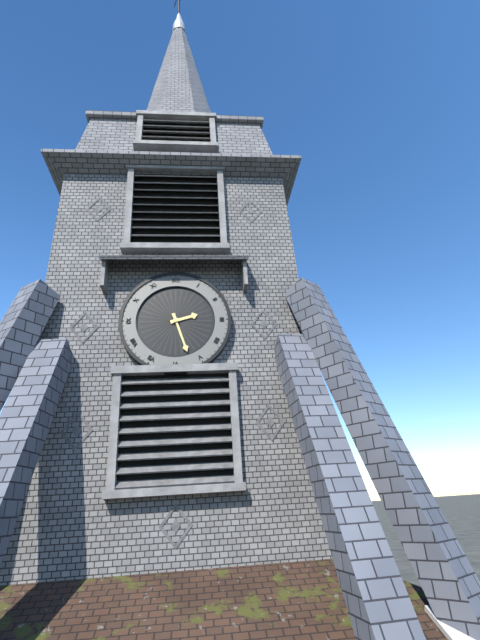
2:27
